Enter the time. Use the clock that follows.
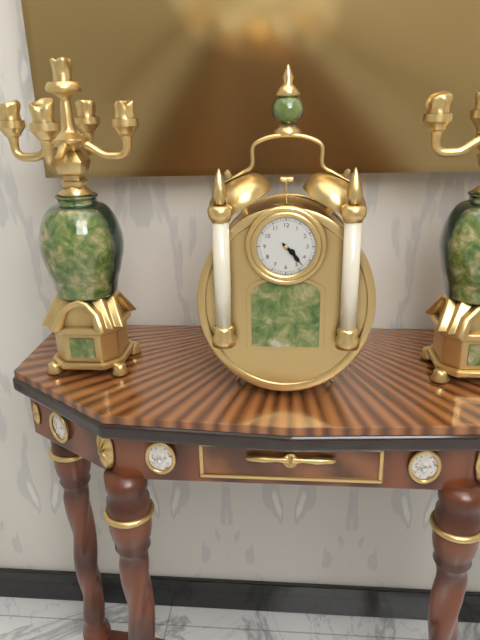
4:23
